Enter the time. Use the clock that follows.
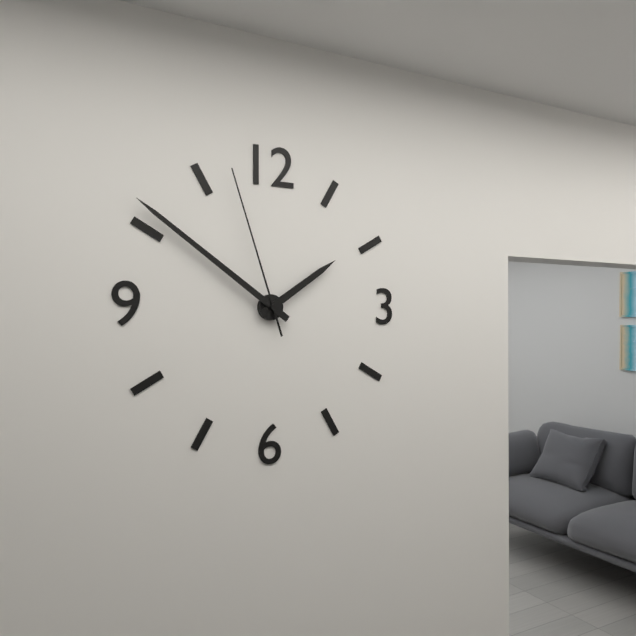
1:51:57
